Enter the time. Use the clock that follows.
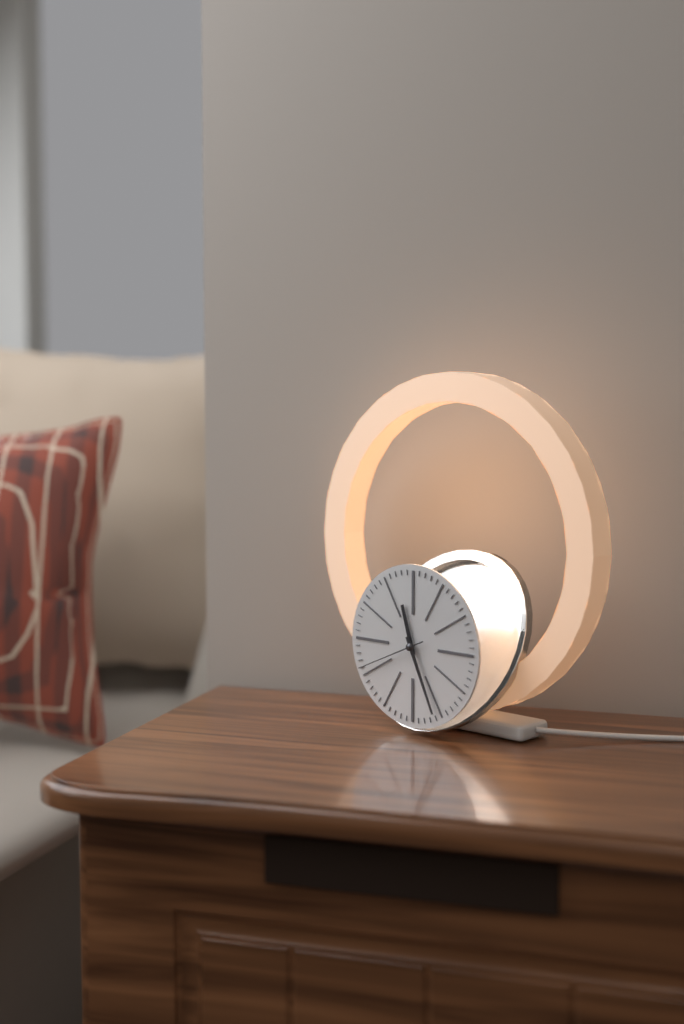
11:26:41
